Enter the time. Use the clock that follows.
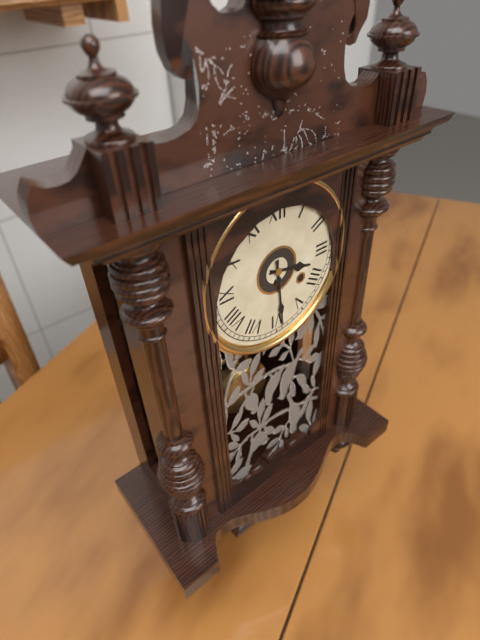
3:29
